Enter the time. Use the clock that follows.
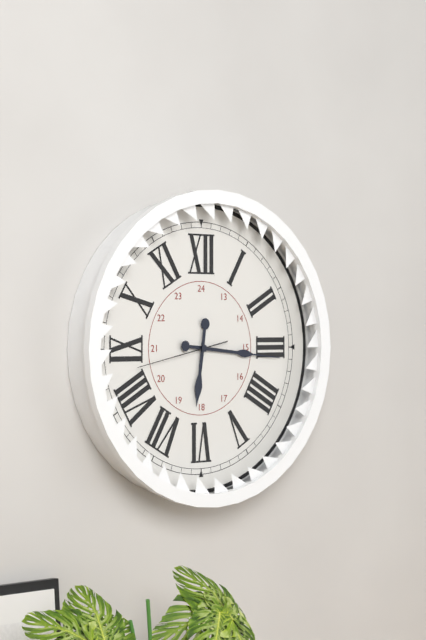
6:16:43
